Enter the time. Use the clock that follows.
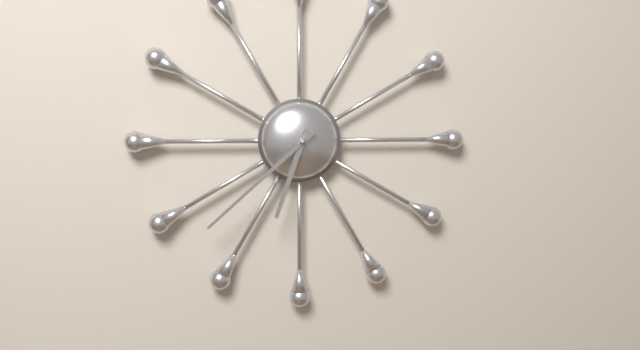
6:38
